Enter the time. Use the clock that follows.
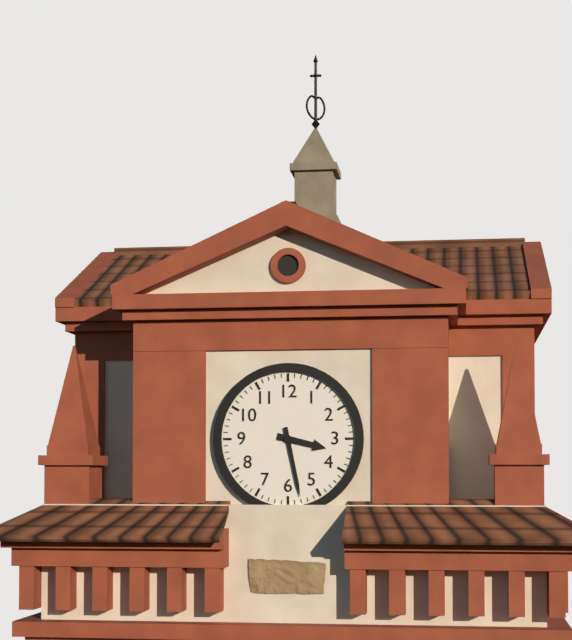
3:28
